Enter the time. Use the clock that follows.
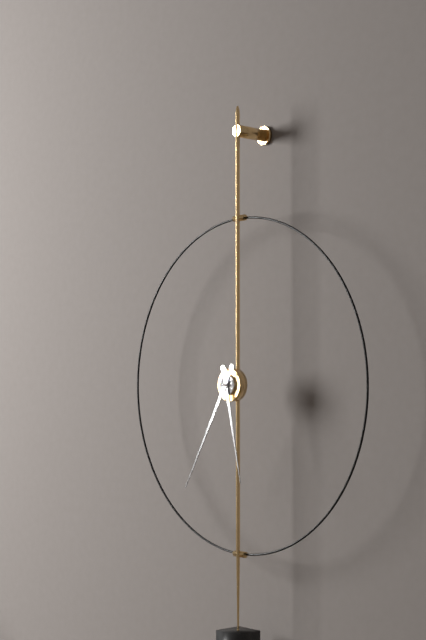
5:35
